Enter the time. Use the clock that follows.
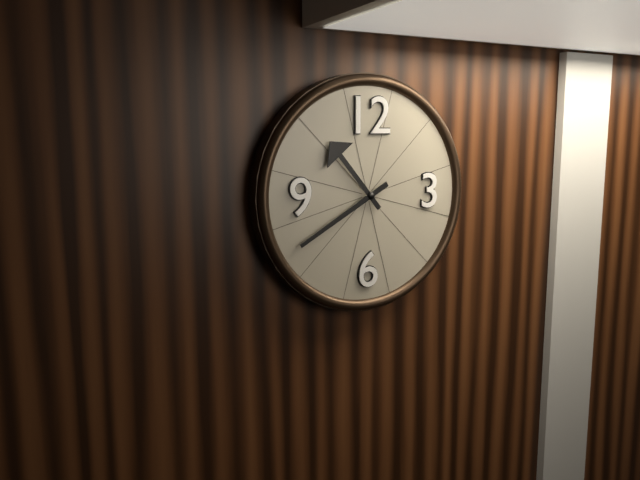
10:40
